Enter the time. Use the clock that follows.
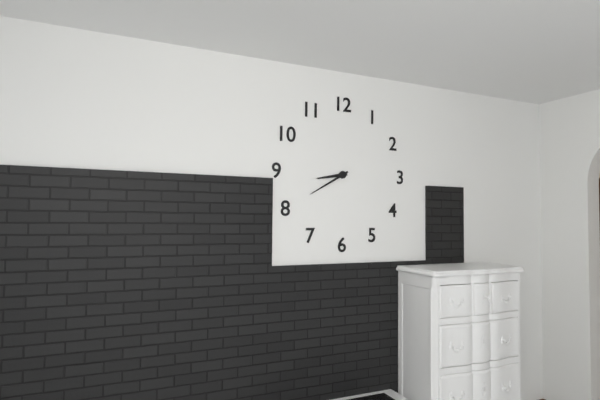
8:40
